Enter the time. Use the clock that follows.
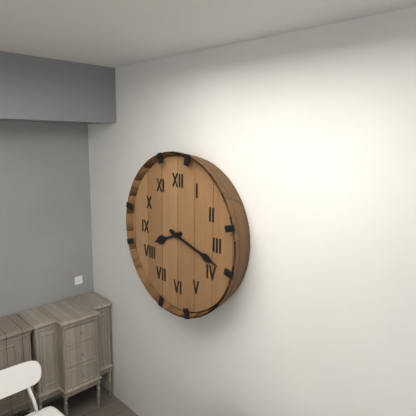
8:18
